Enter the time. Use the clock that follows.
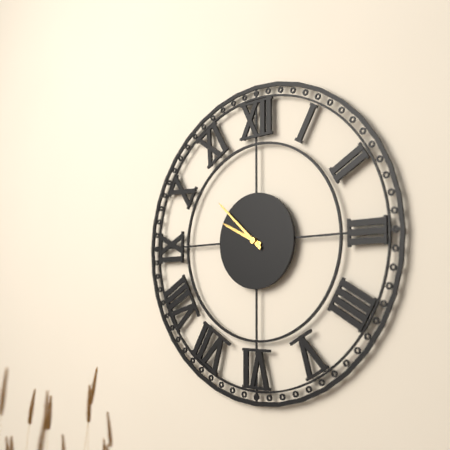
9:52
